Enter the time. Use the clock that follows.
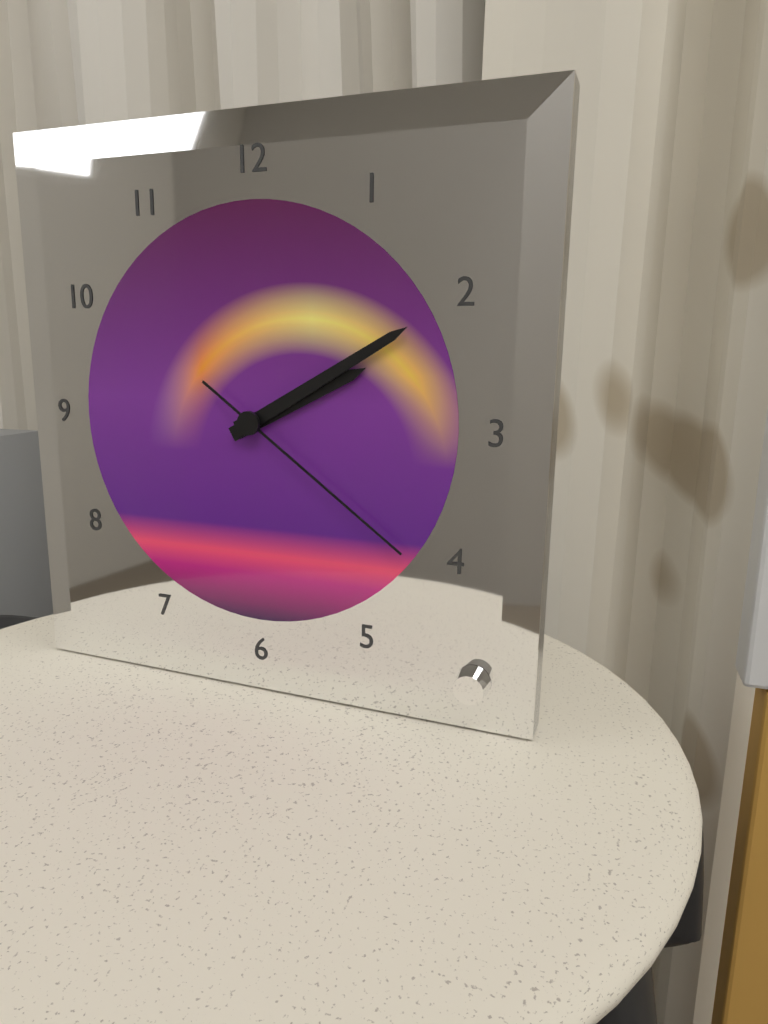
2:10:21
